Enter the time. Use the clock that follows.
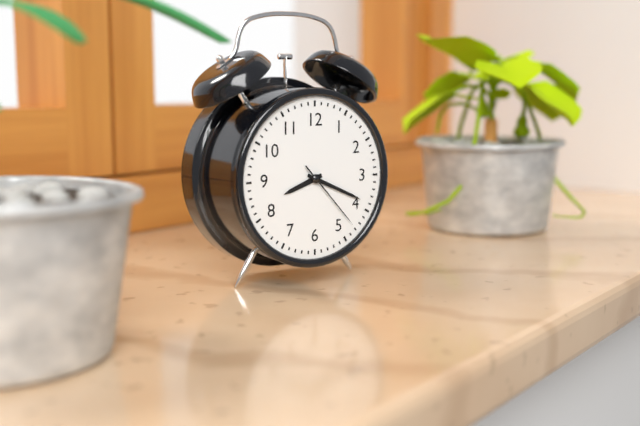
8:19:23
